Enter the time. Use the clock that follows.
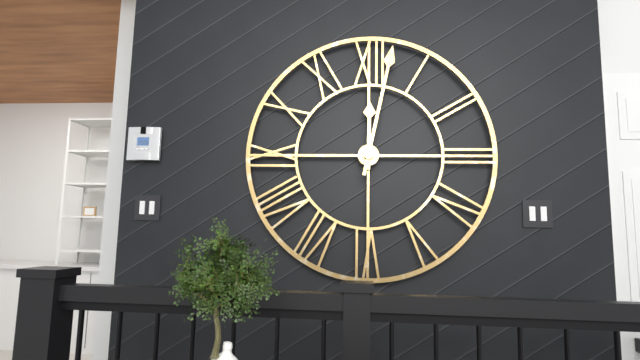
12:02
